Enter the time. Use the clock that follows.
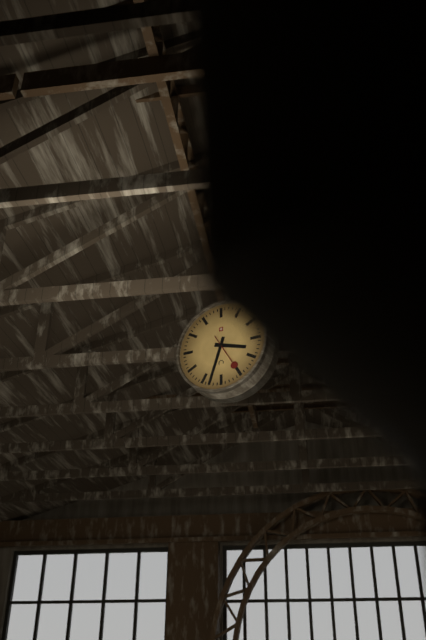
3:33
